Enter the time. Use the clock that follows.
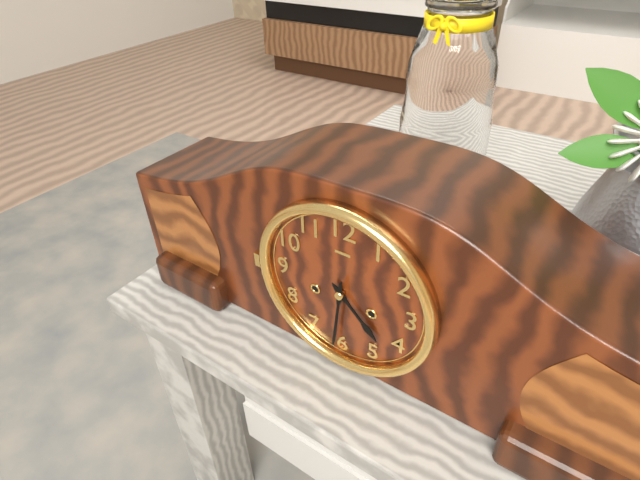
4:31
